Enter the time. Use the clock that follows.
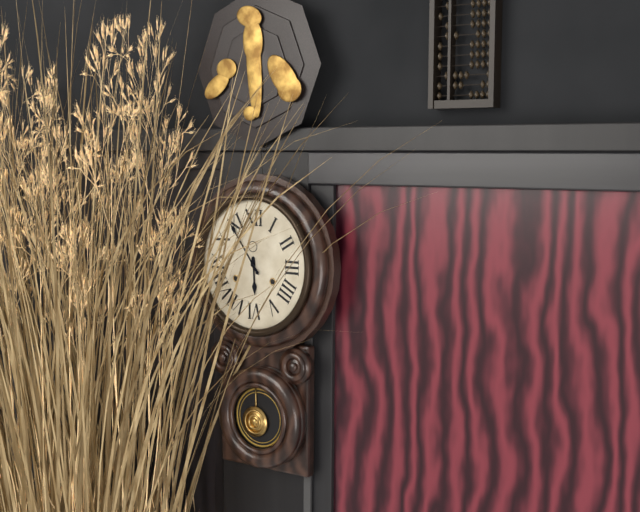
5:54
